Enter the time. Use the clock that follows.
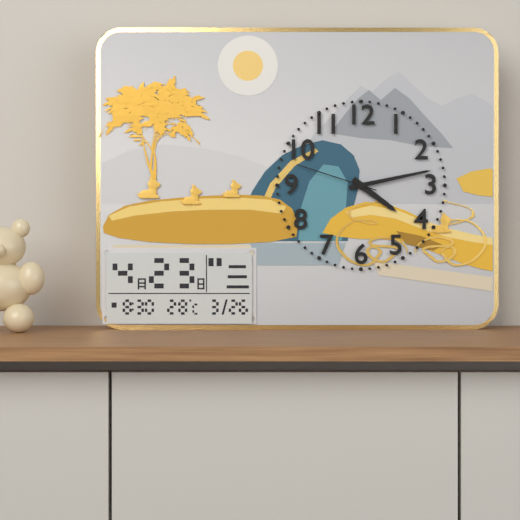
4:13:48
